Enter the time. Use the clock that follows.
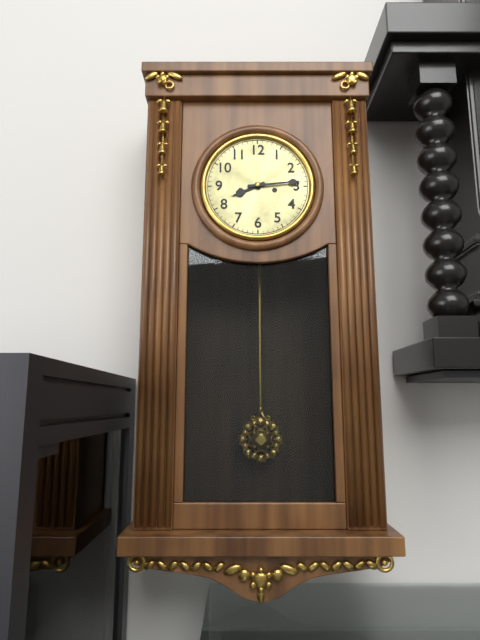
8:14
